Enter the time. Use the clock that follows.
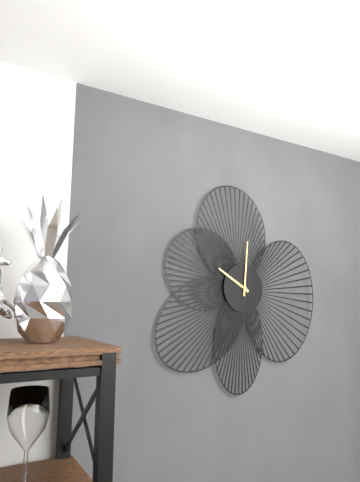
10:01
